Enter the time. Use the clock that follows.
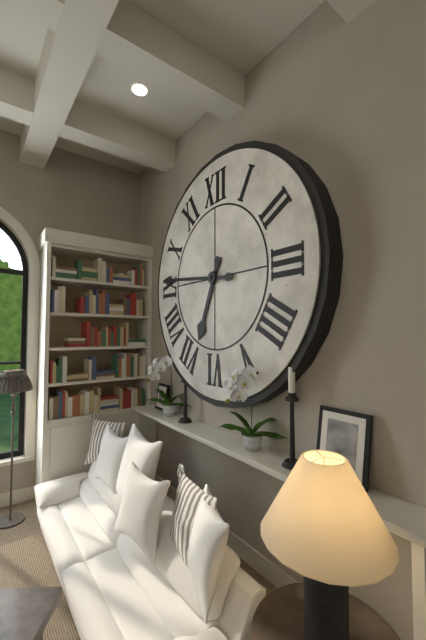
6:46
